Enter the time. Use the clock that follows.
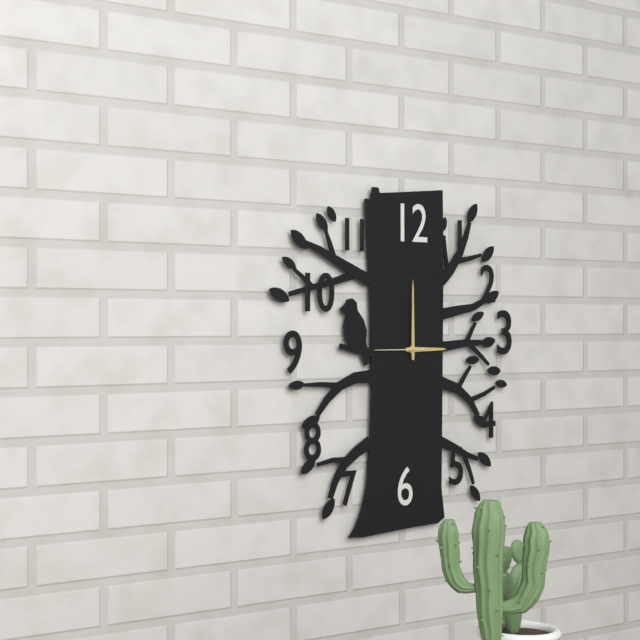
3:00
